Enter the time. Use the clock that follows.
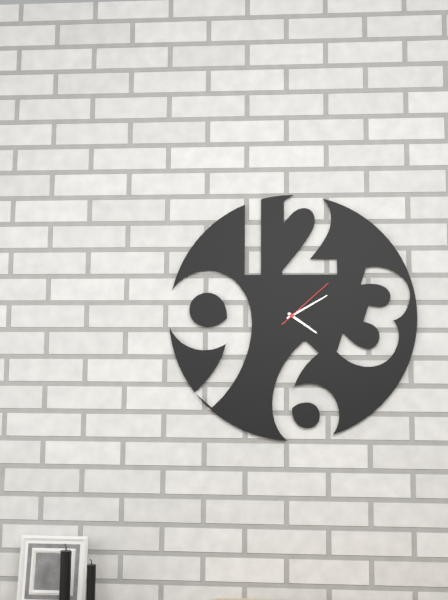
4:10:08
